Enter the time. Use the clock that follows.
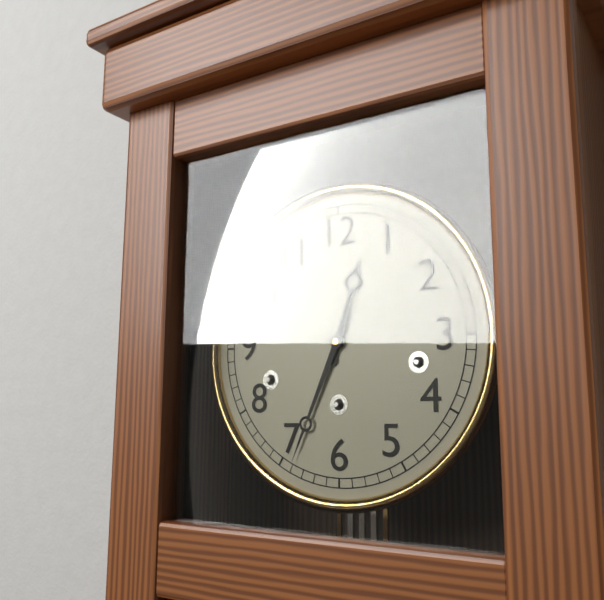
12:34
